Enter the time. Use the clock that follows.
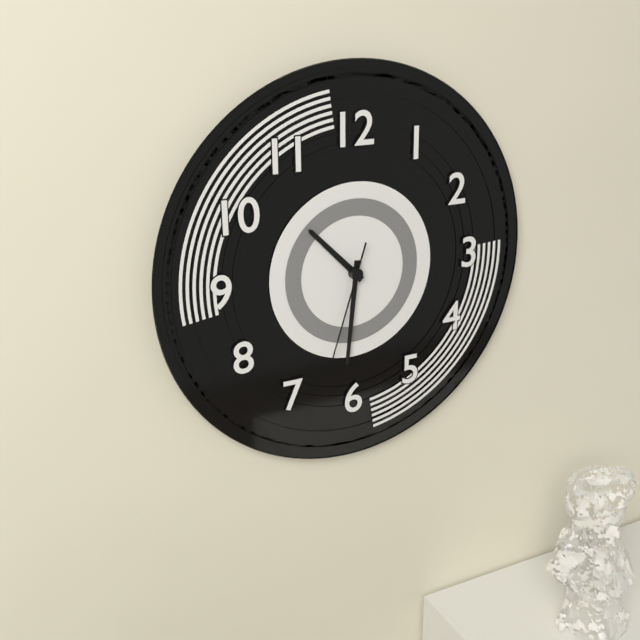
10:31:33
